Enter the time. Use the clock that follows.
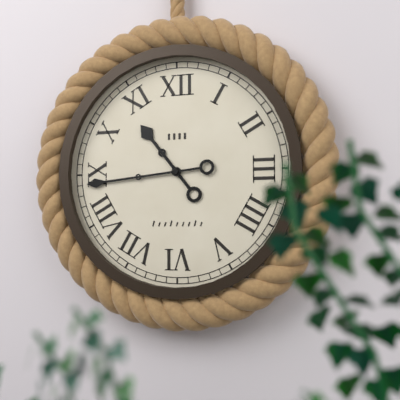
10:44
